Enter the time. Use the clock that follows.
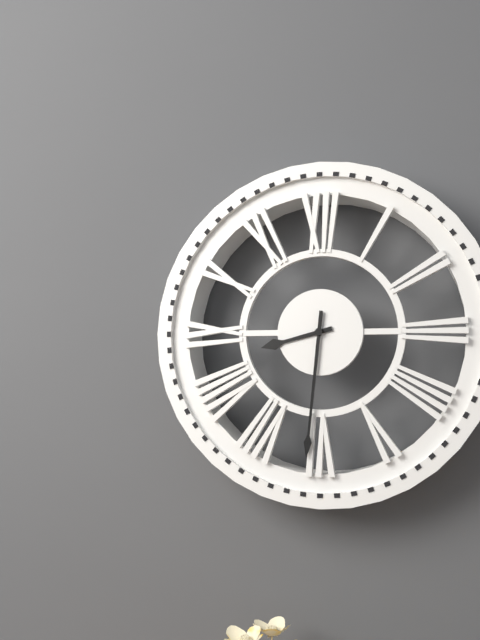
8:31
